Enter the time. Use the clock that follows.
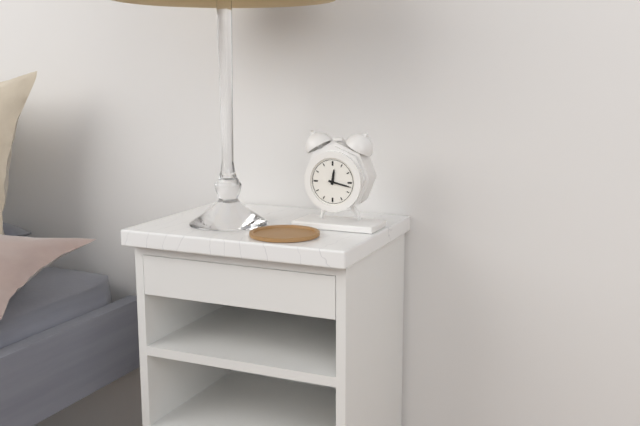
12:17
